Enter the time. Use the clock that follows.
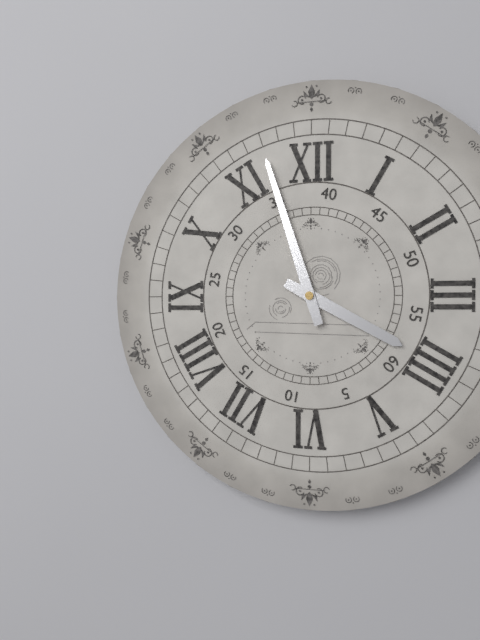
3:57
